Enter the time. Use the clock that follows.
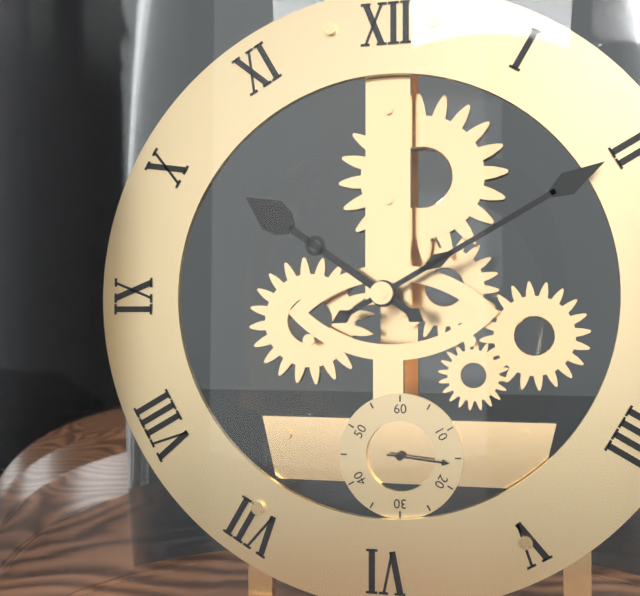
10:10:16
